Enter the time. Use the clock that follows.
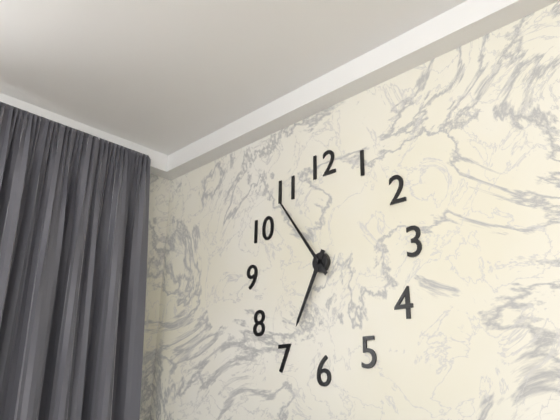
6:54
